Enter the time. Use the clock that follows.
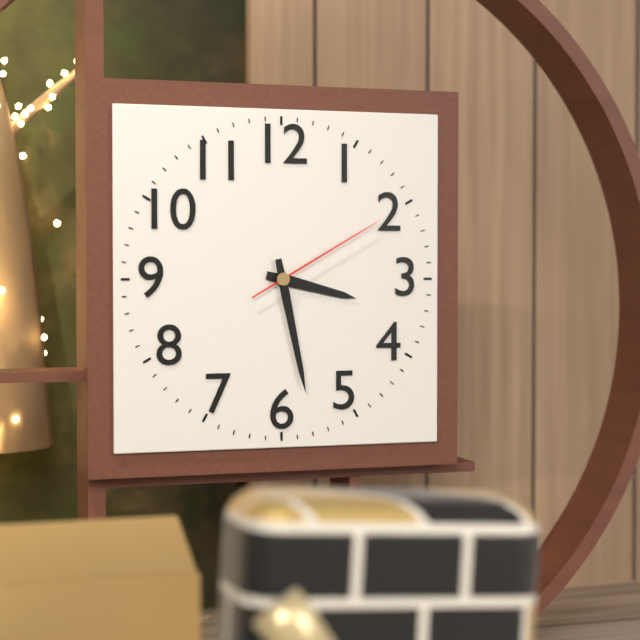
3:28:10
